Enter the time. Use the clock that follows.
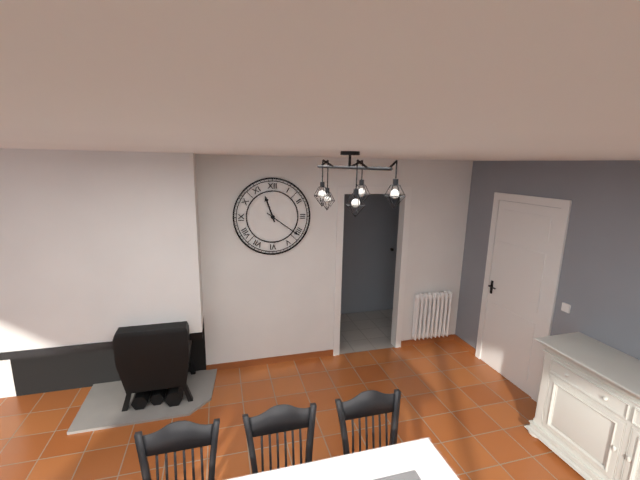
11:21
